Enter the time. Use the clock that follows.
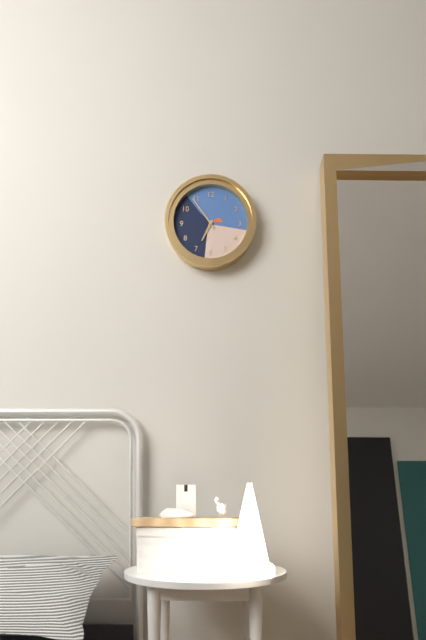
6:54
